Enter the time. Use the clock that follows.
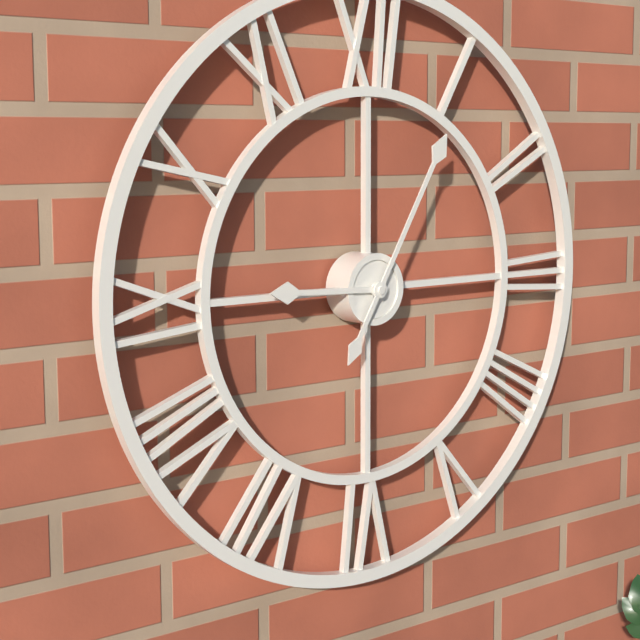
9:05
